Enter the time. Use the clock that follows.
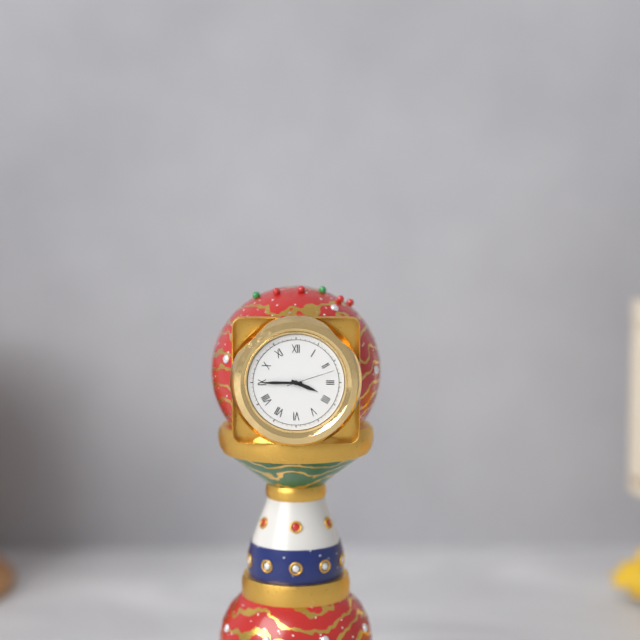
3:45
